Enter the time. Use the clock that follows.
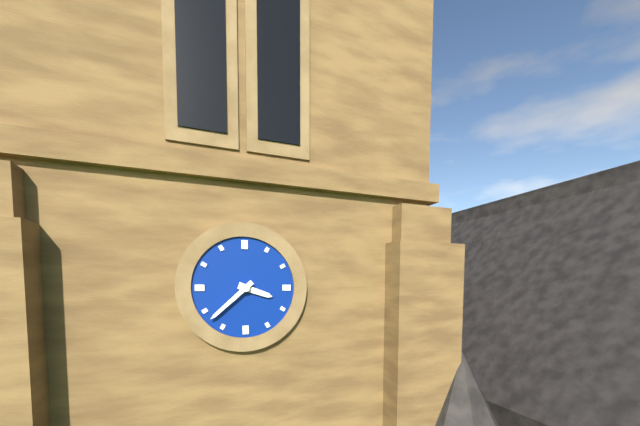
3:38
